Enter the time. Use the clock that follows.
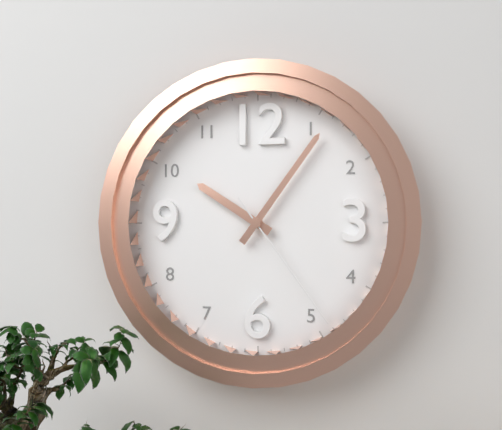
10:06:24
